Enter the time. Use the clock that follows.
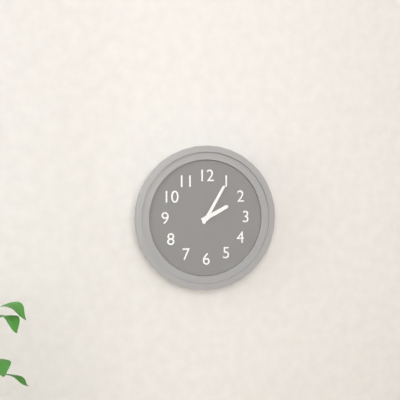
2:05
